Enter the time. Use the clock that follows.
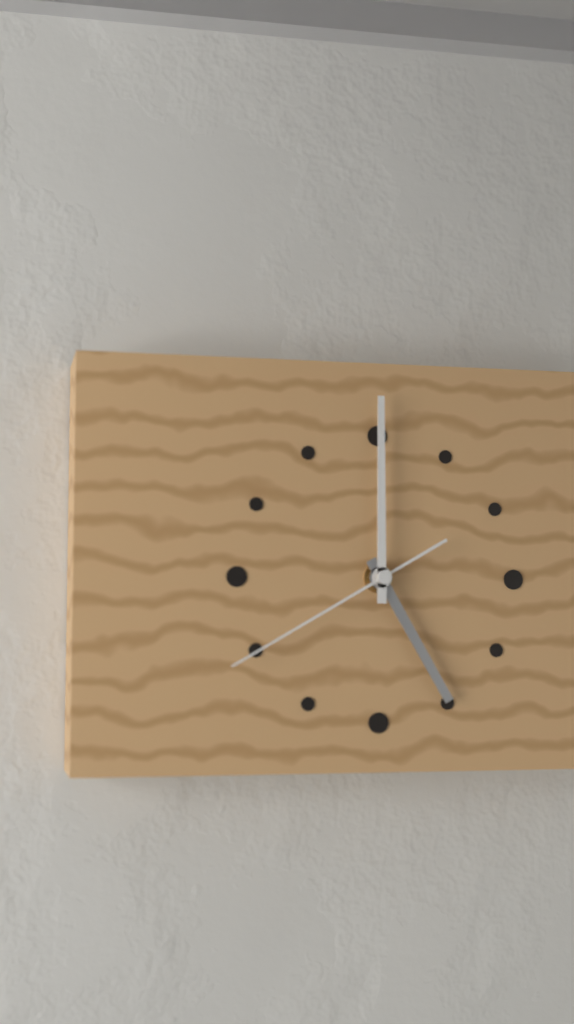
5:00:40
